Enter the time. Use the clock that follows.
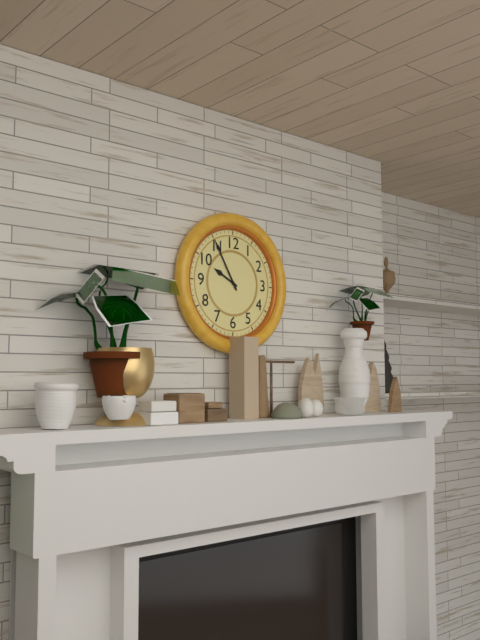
9:55
